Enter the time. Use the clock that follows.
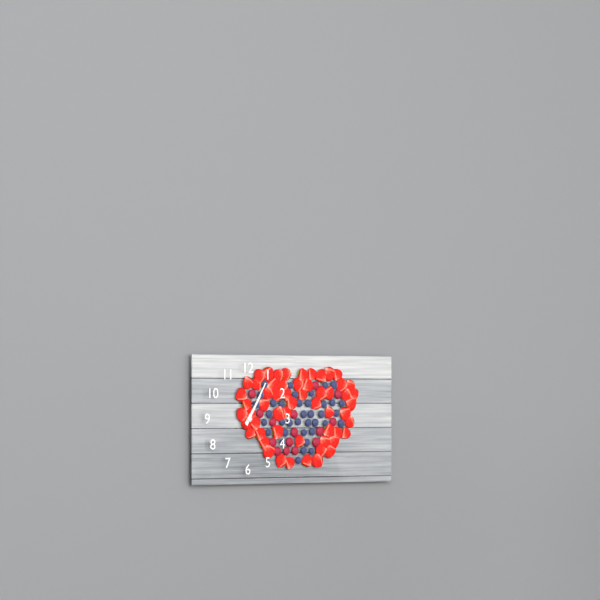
1:05
